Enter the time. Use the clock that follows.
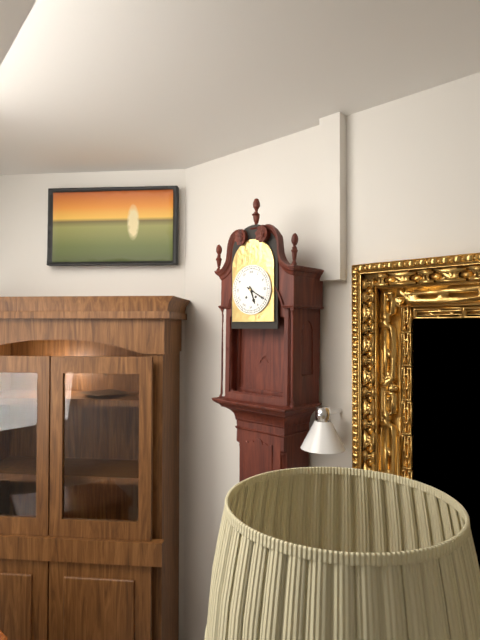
5:20
